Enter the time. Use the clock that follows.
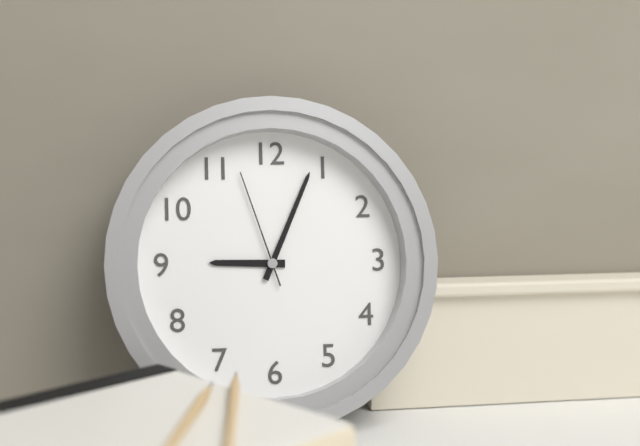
9:04:57
